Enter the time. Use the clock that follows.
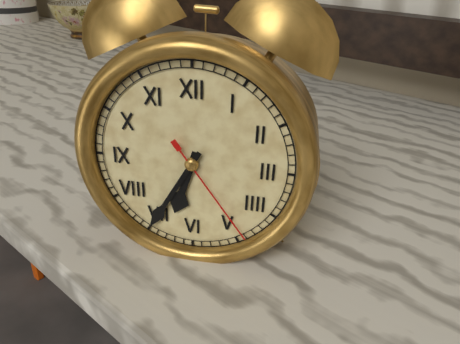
6:35:24
